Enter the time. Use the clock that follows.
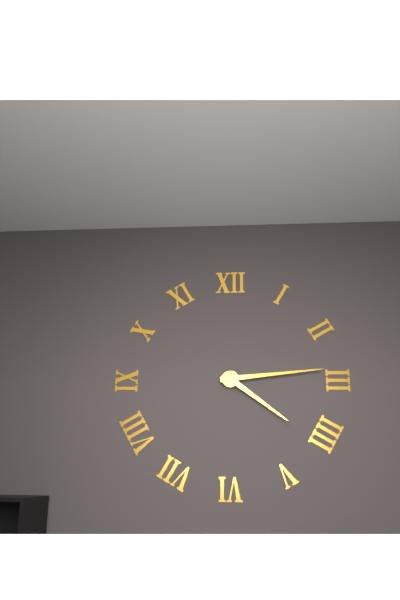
4:14
